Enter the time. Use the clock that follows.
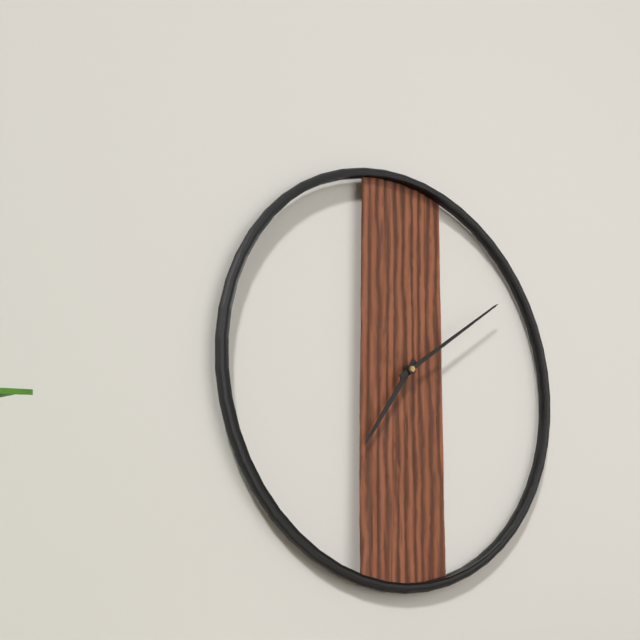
7:09
